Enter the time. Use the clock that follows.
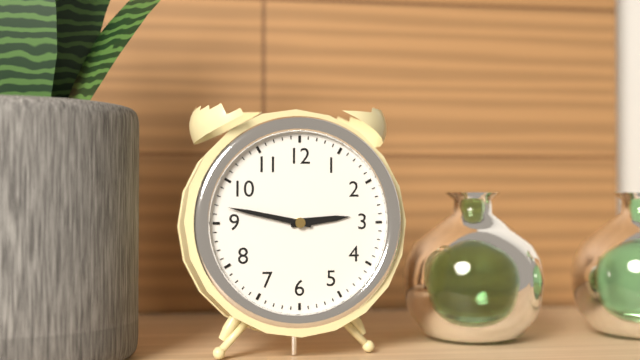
2:47
